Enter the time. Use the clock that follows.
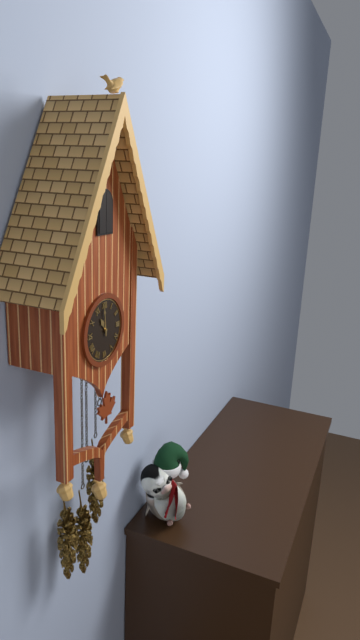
10:59
